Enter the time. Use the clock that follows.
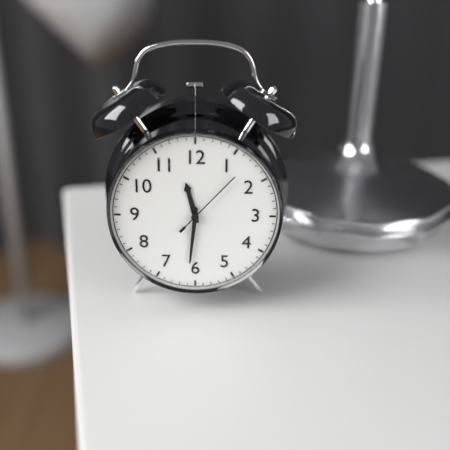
11:31:07
